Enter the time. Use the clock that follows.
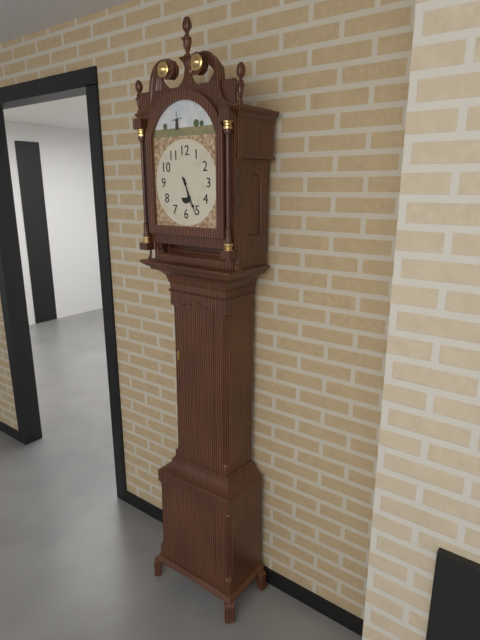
5:26
